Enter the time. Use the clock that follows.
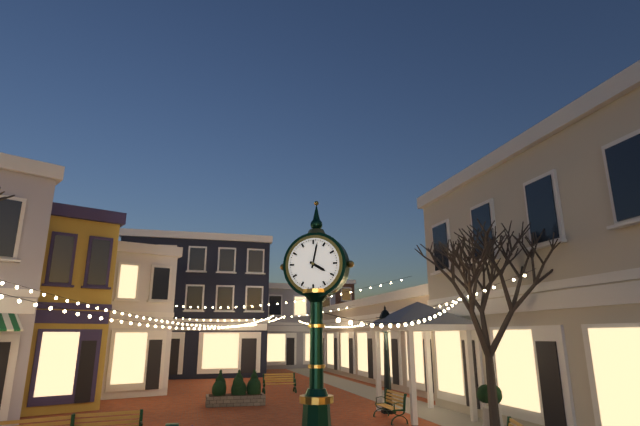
4:02
